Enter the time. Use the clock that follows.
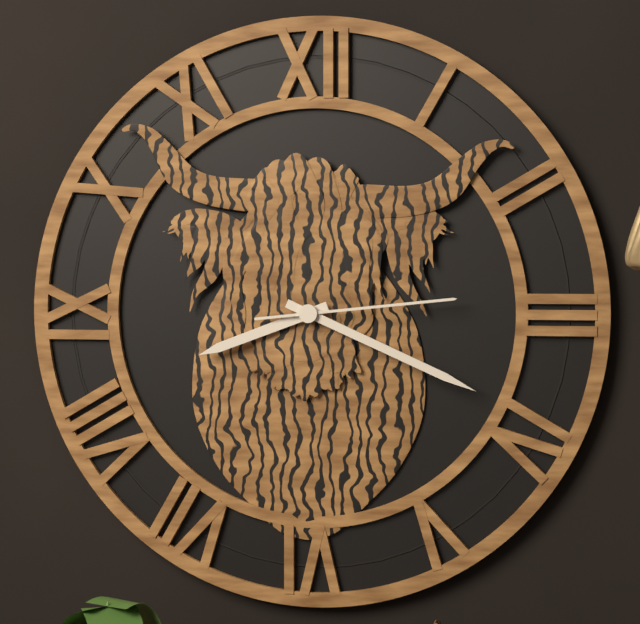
8:19:14
